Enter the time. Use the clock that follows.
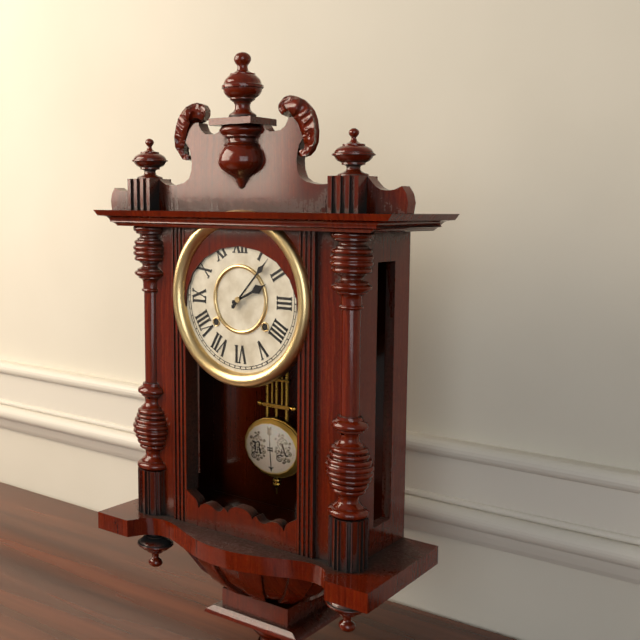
2:07
